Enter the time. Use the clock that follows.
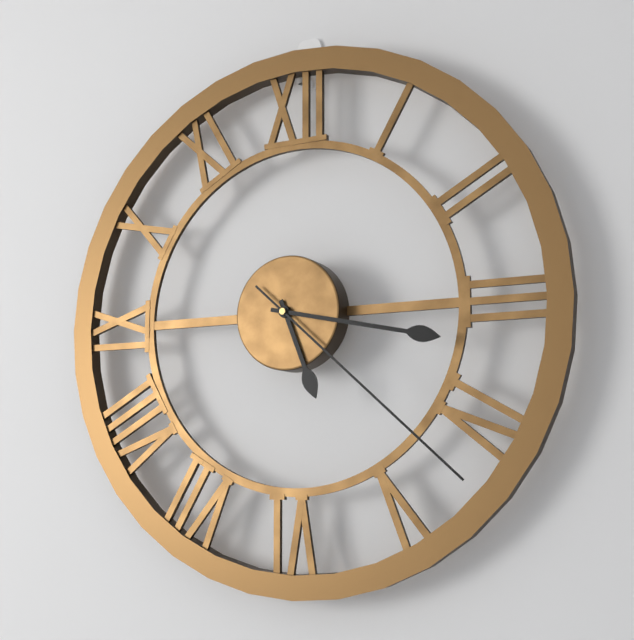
5:17:22
